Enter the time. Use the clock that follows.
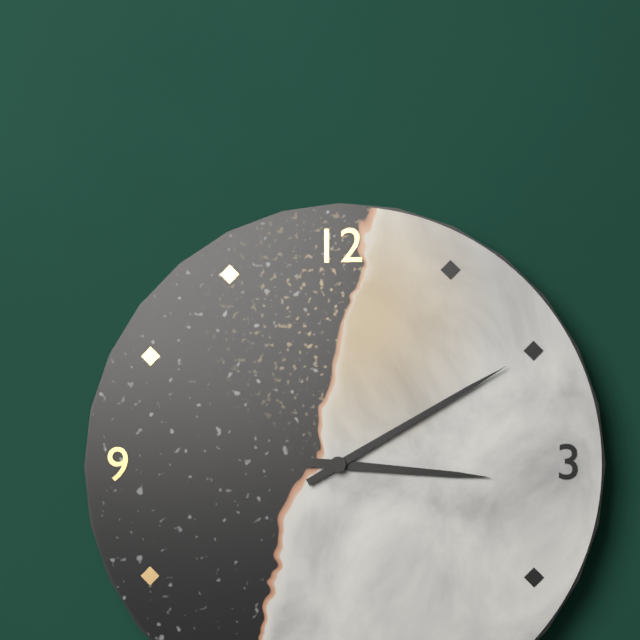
3:10
